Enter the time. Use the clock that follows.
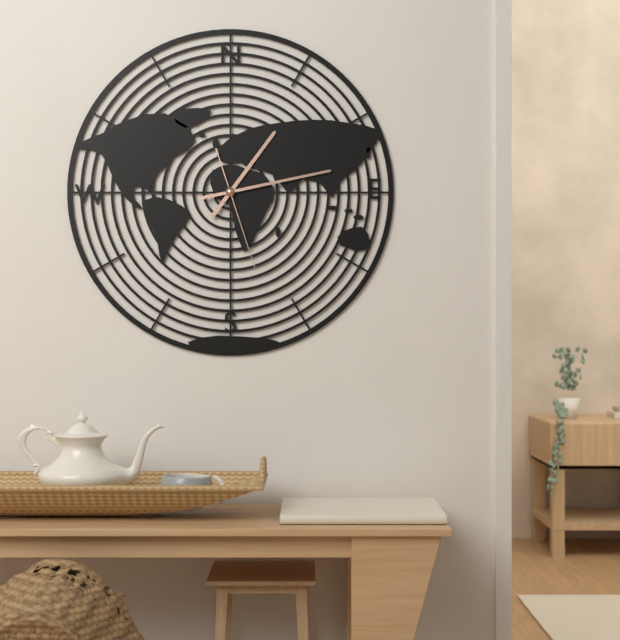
1:13:27
